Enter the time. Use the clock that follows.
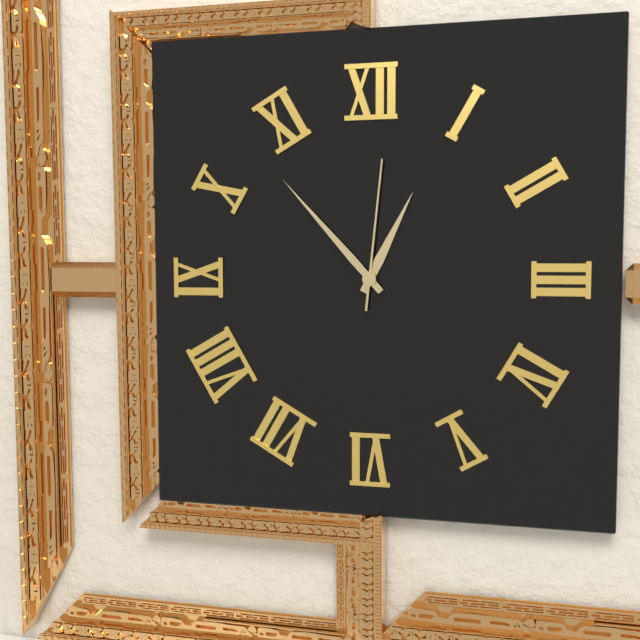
12:53:01
